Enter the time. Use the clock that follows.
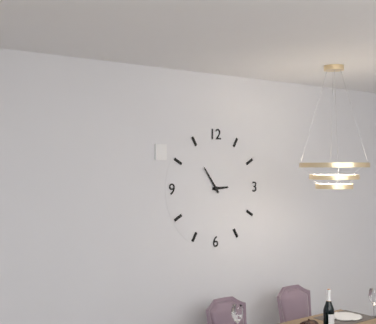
2:54
